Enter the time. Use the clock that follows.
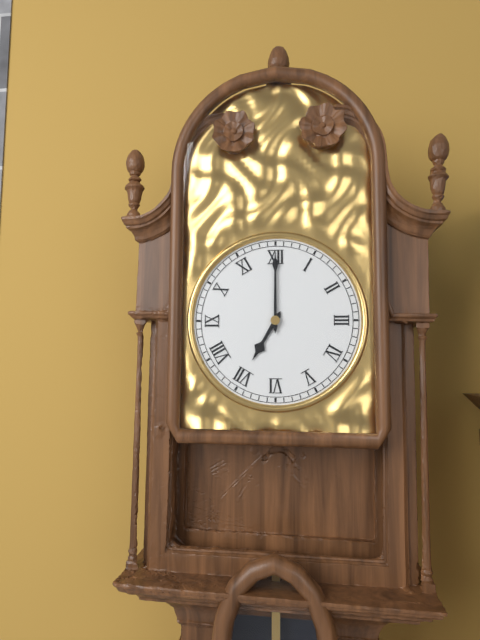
7:00
